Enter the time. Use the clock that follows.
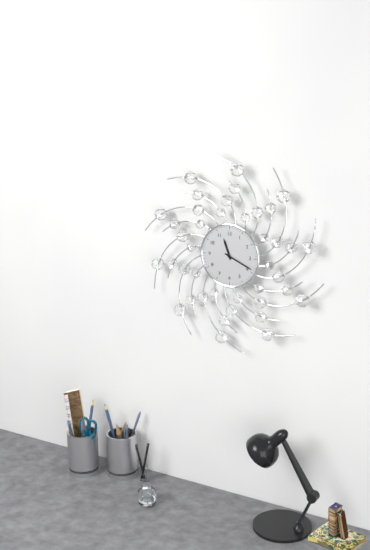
11:19
